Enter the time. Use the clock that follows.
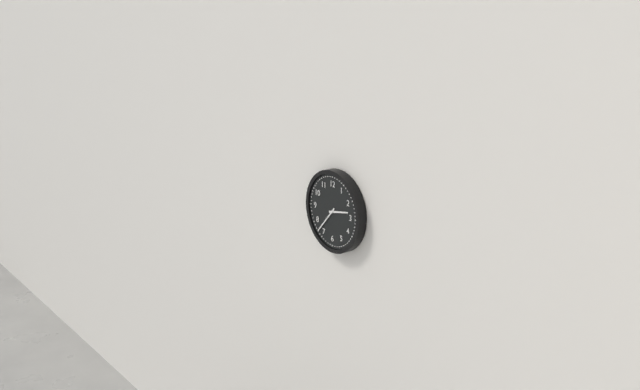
2:37
